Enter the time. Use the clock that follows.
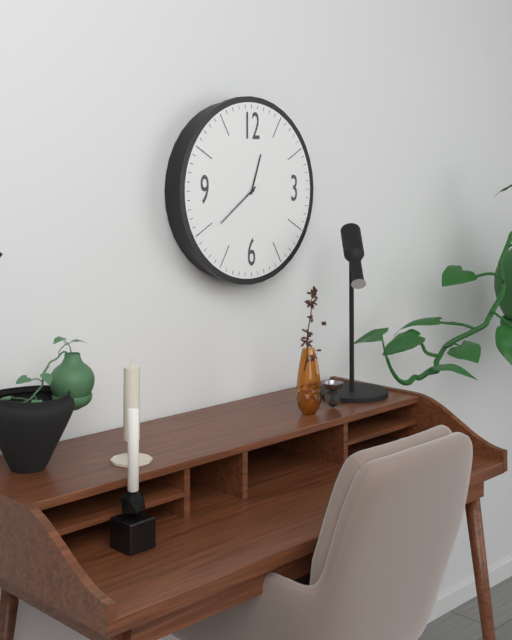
12:39
